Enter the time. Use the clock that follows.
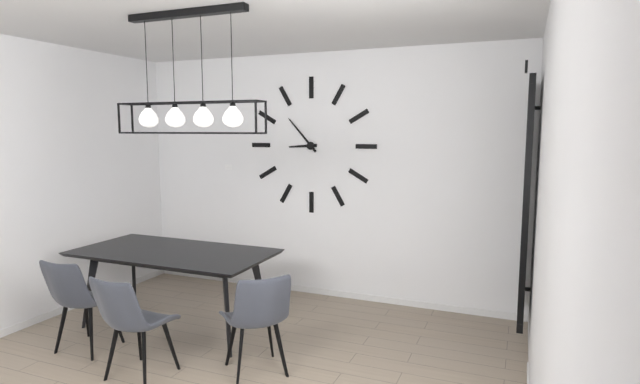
8:53
